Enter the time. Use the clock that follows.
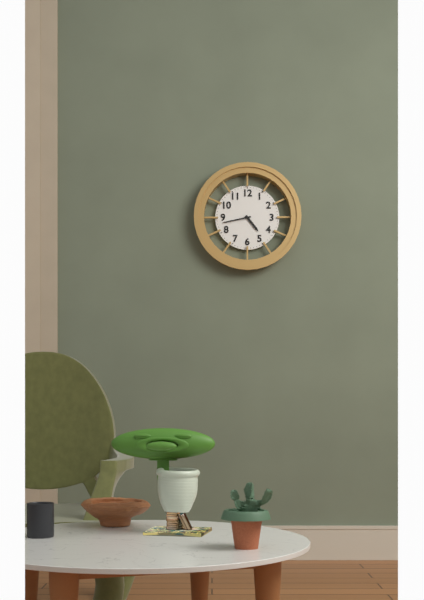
4:43
